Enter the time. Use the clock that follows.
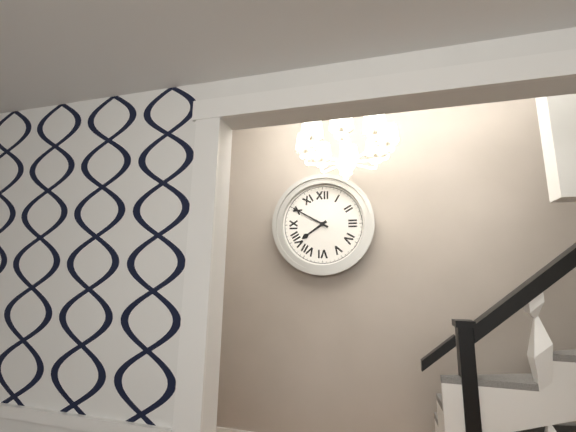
7:50
